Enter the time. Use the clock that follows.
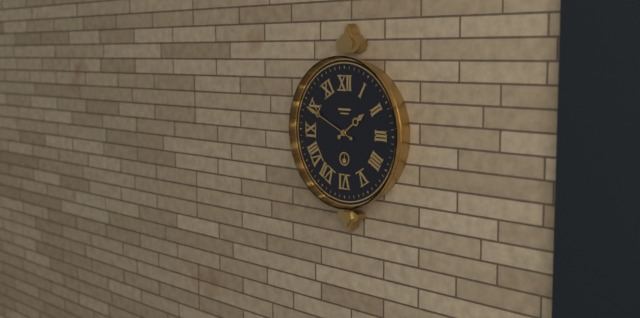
1:49
